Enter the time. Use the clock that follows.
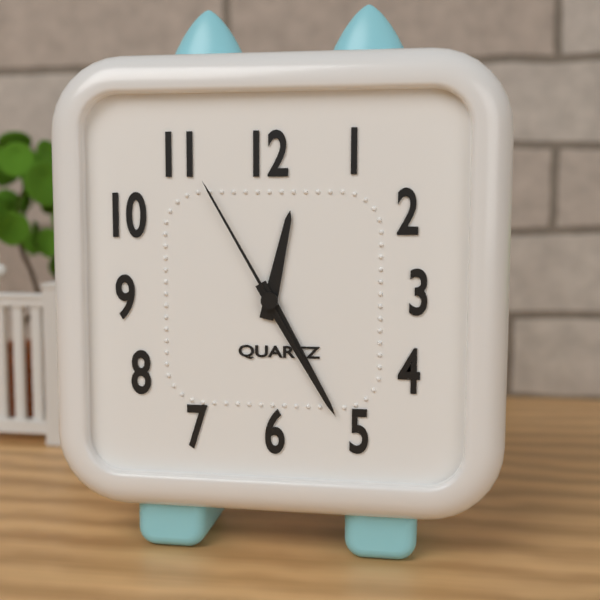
12:25:55
